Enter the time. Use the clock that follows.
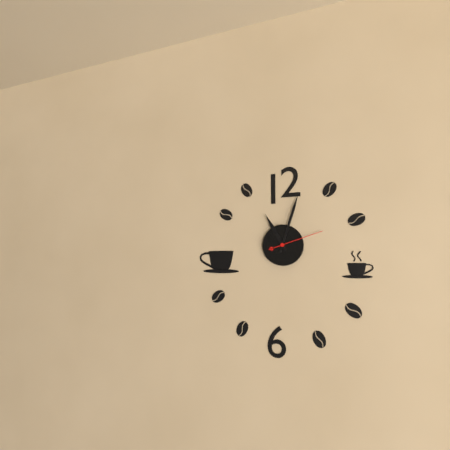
11:03:12
